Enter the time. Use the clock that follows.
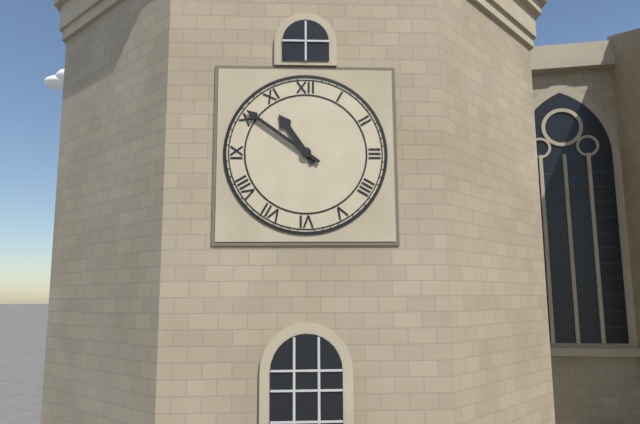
10:51
